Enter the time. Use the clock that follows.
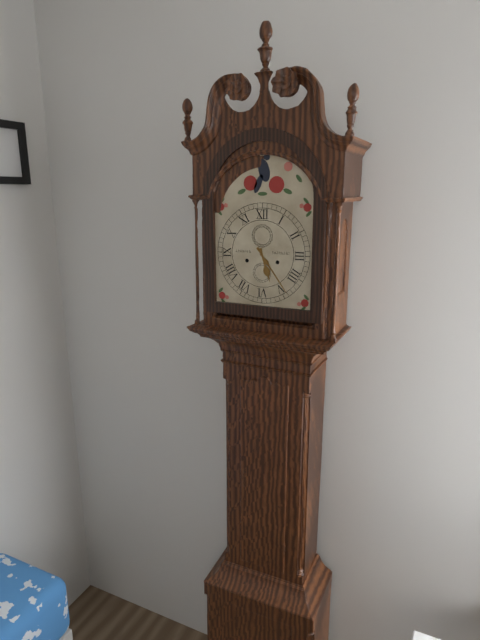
5:24
